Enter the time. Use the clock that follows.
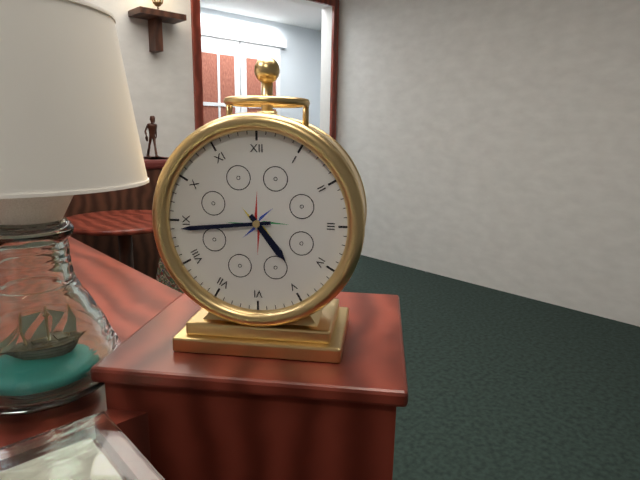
4:44
